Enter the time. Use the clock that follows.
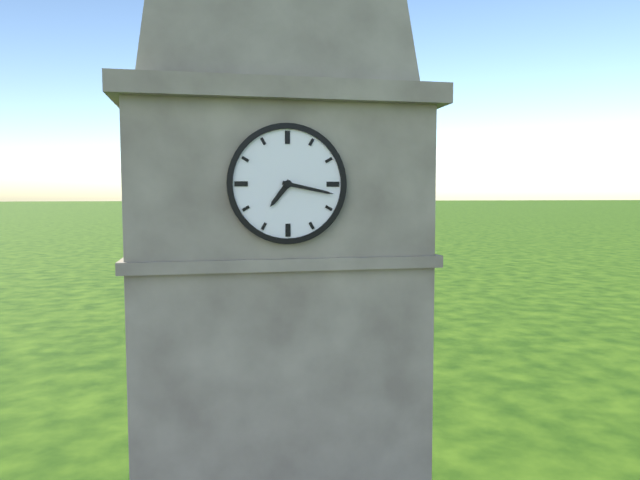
7:17
